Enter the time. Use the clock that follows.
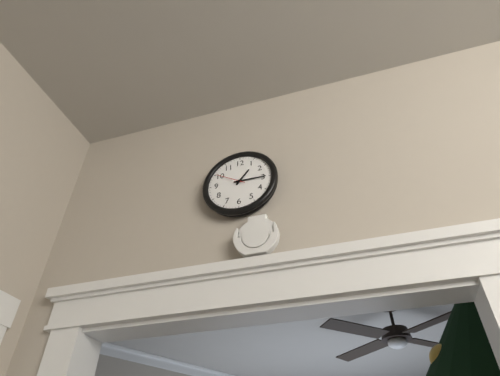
1:15
